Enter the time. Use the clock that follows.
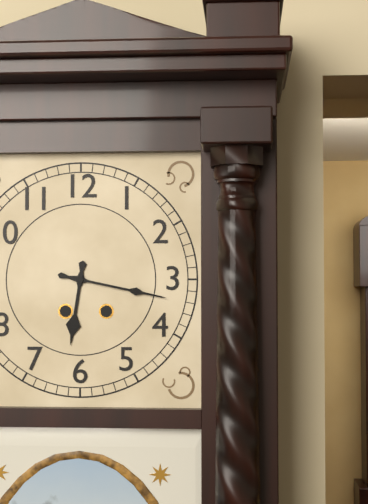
6:17
